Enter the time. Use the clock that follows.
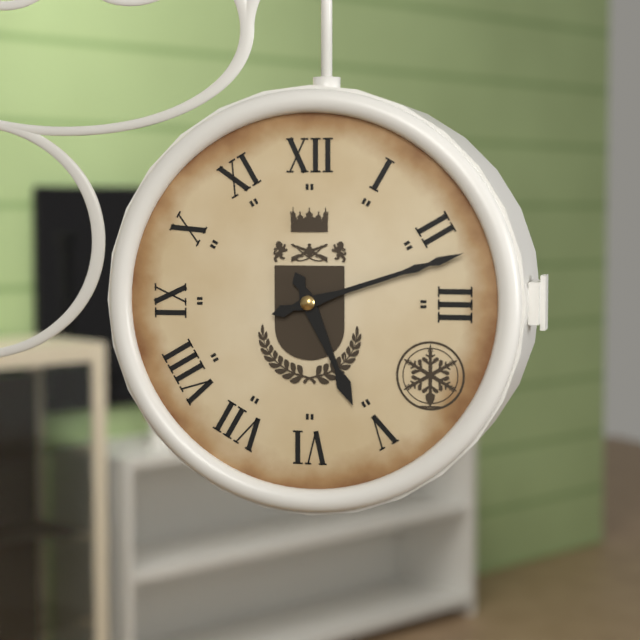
5:12
